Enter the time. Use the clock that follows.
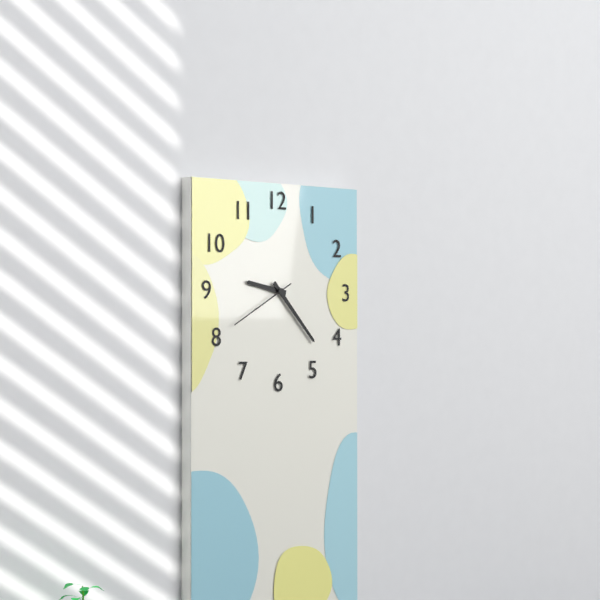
9:23:40
